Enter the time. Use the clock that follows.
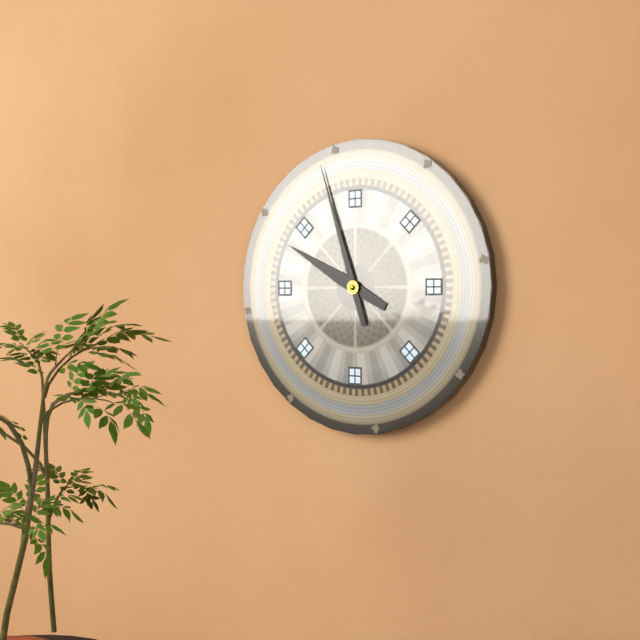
9:57
